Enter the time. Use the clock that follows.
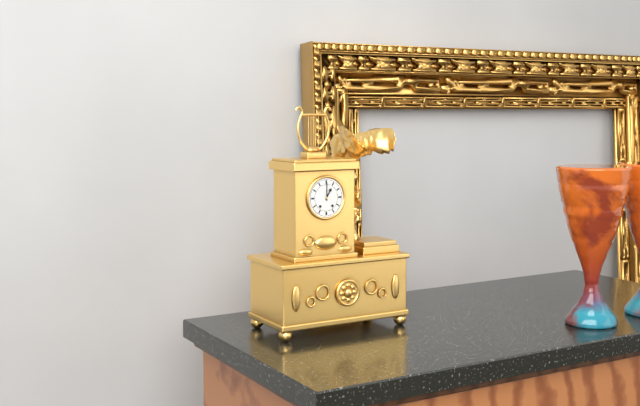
1:00
